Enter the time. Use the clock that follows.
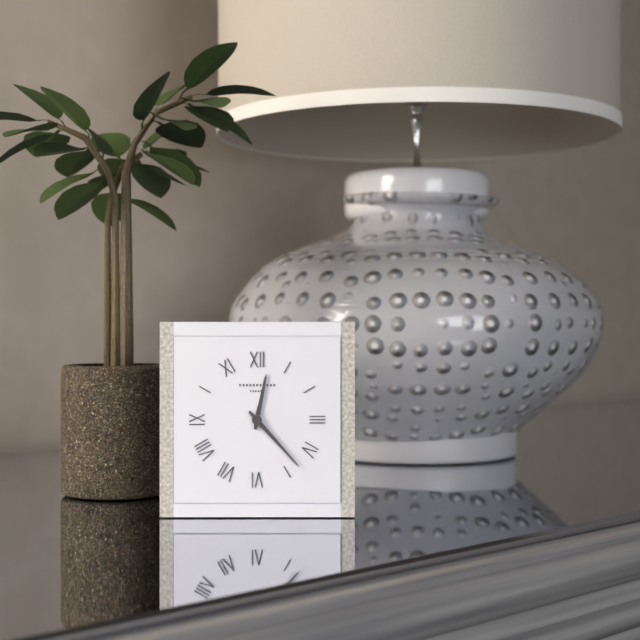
12:23
